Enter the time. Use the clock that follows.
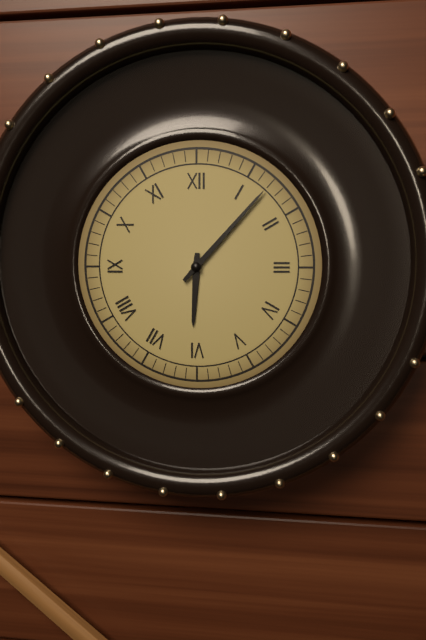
6:07
